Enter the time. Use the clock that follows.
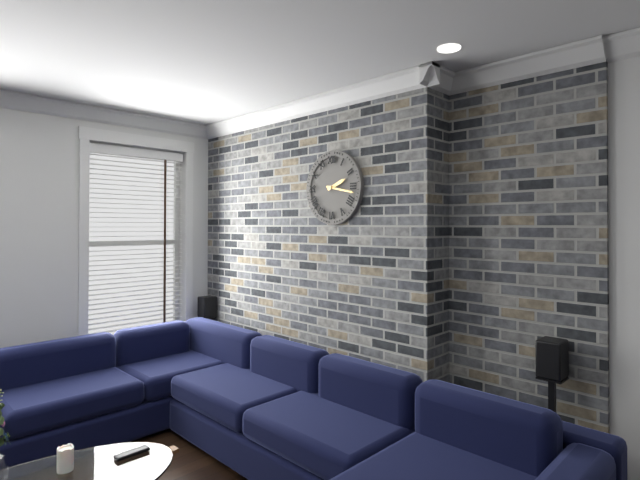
2:17
